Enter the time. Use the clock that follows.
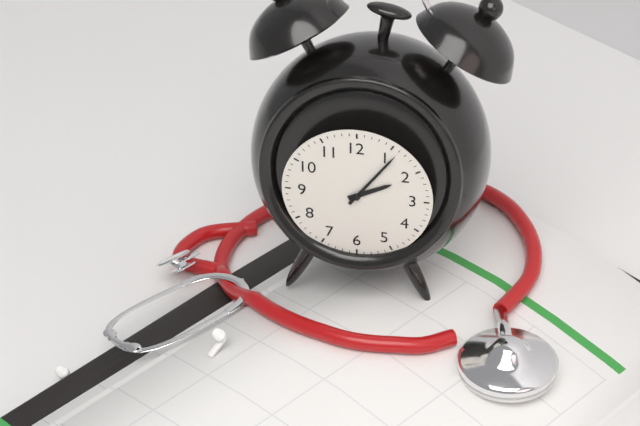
2:06
